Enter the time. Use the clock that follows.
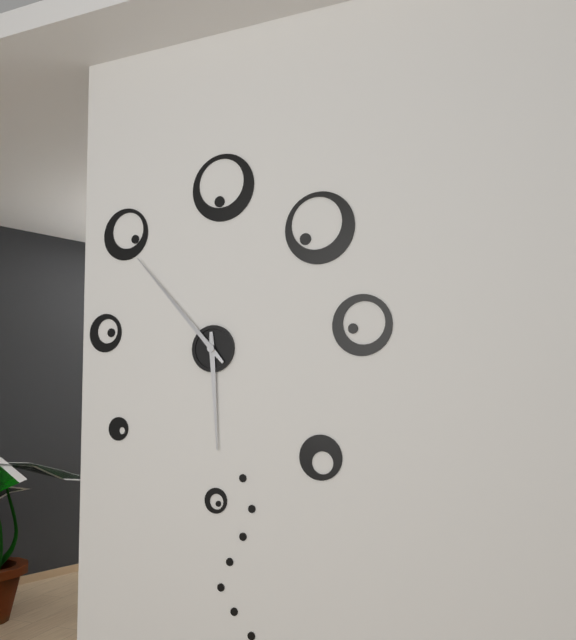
5:53
